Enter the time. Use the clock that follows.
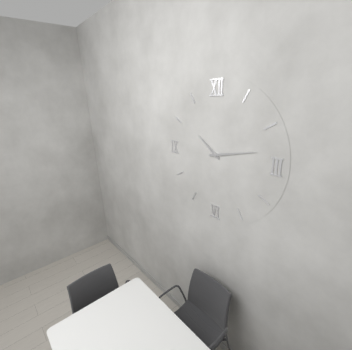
10:13
